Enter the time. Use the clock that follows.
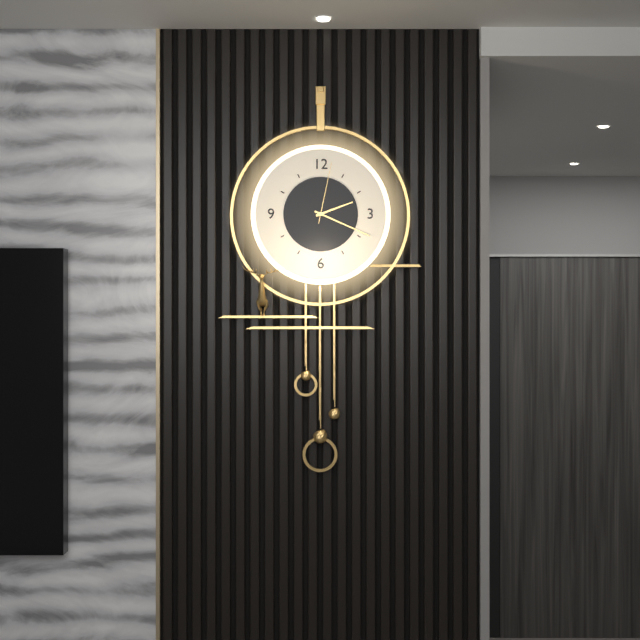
2:19:02
